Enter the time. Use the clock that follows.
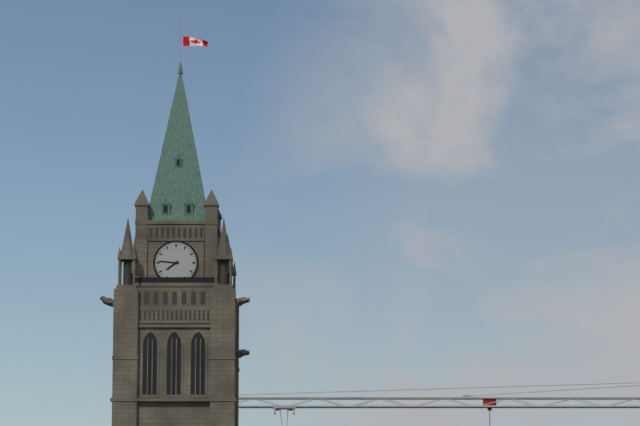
7:46
